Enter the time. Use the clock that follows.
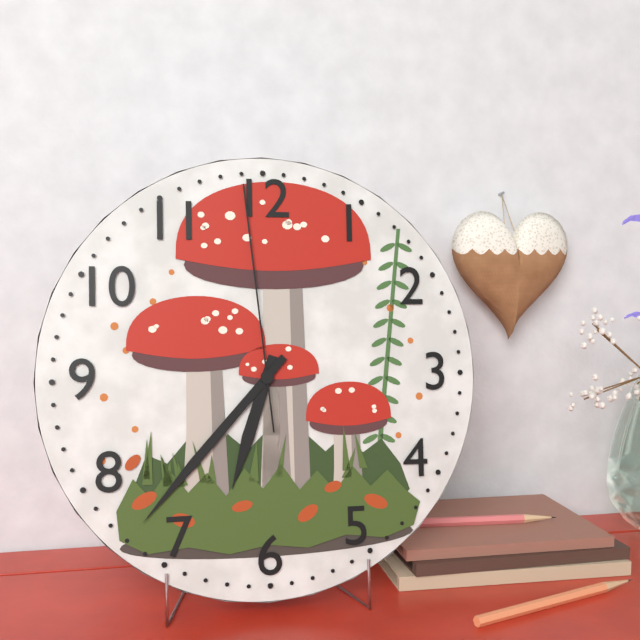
6:37:59
